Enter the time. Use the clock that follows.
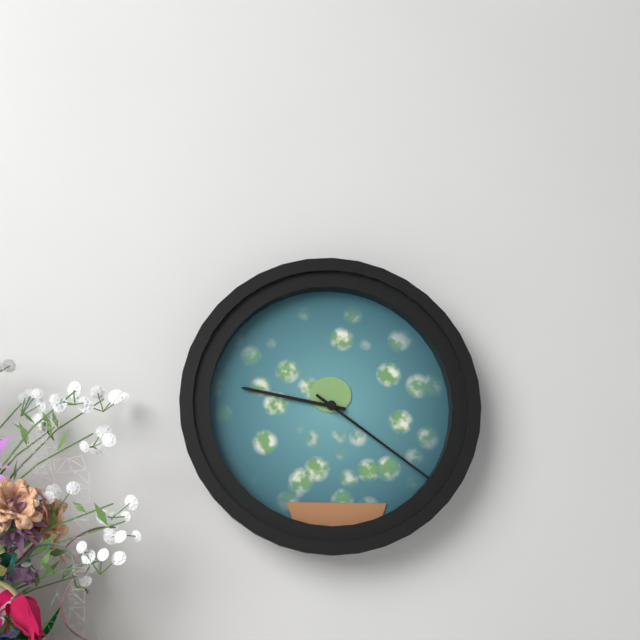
9:21
